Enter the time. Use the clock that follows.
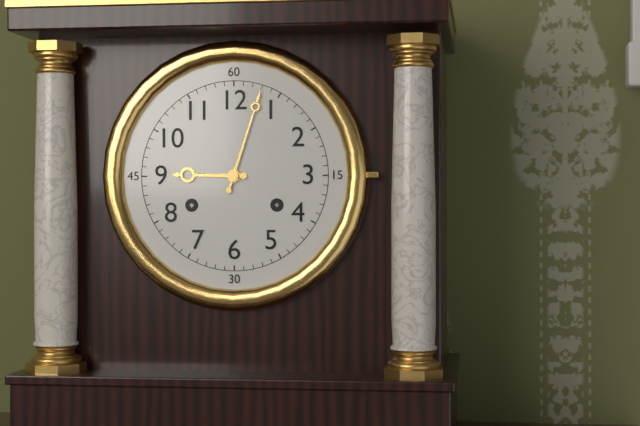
9:03
